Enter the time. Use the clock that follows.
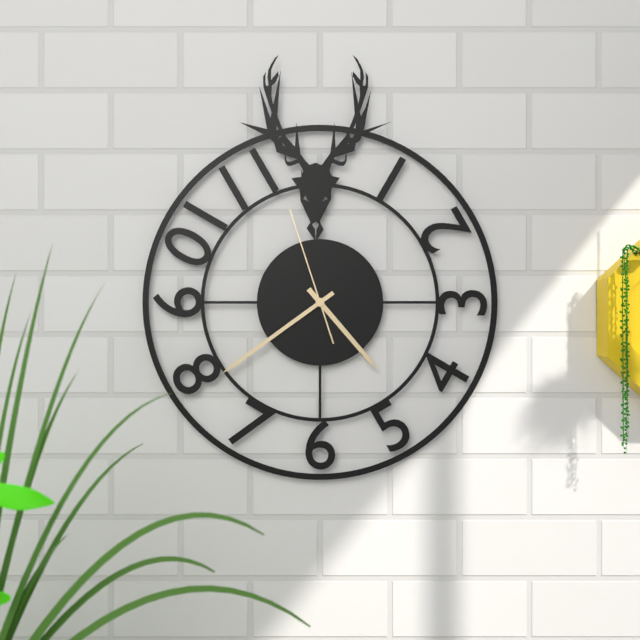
4:39:57
